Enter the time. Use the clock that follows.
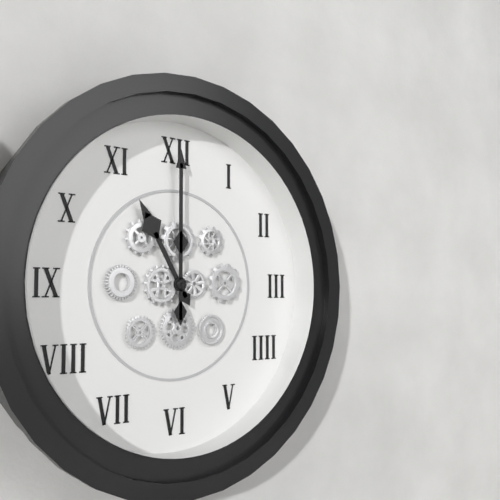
11:00
